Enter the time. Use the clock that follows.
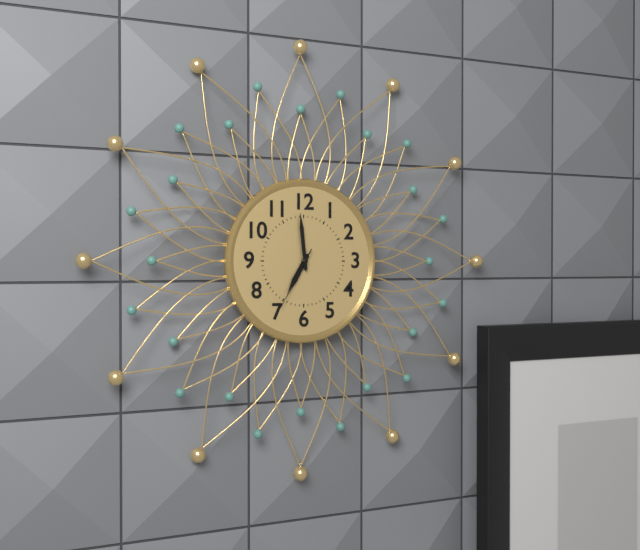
6:59:35
